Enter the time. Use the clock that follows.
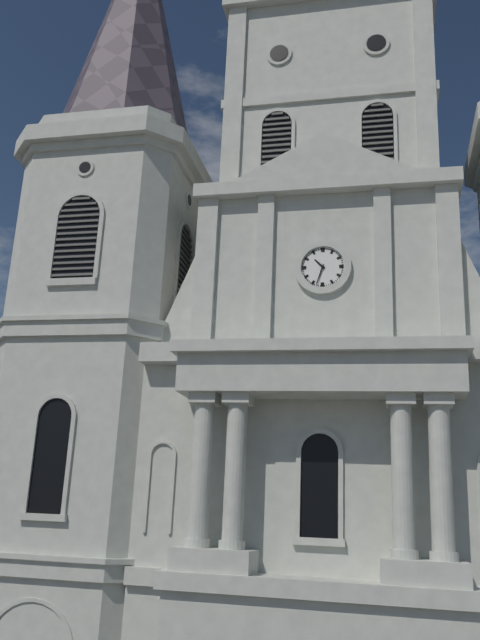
10:33
